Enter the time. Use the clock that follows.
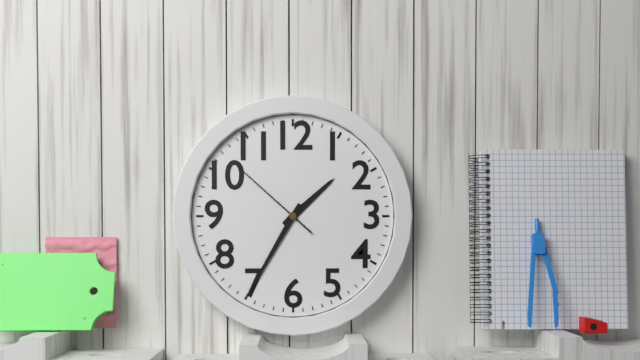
1:35:52
